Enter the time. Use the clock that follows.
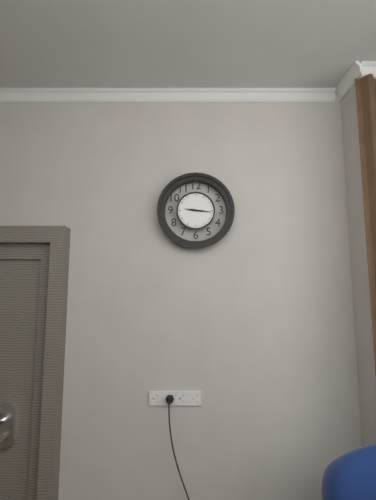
9:16
